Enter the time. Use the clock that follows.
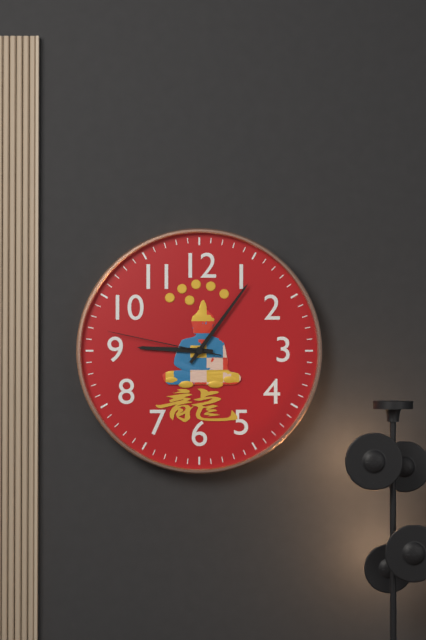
9:06:47
